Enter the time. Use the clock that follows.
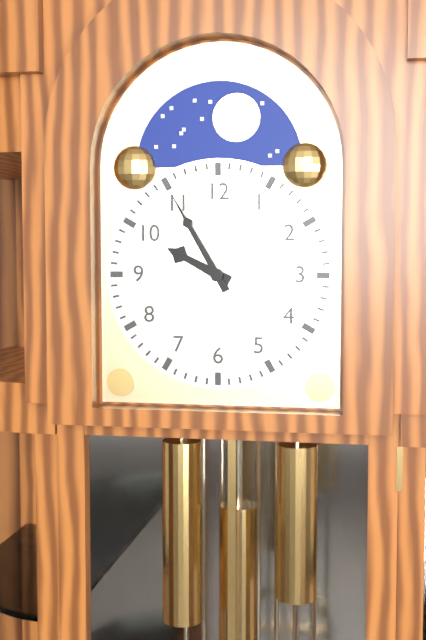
9:55
